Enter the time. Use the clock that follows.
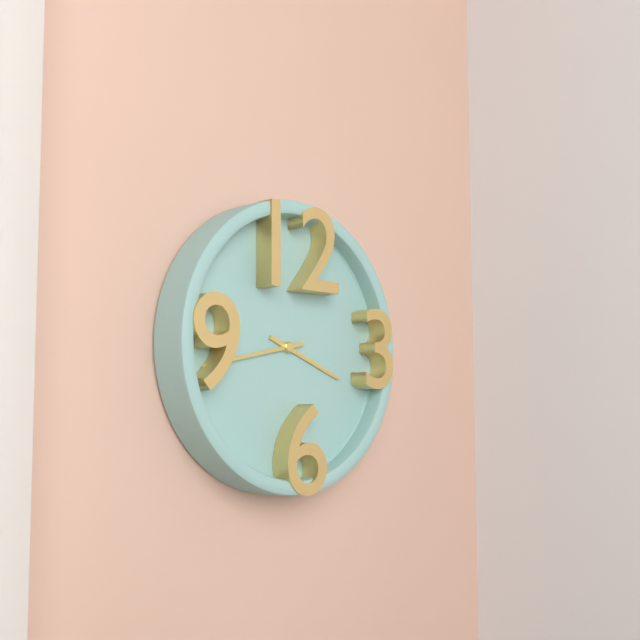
3:43
